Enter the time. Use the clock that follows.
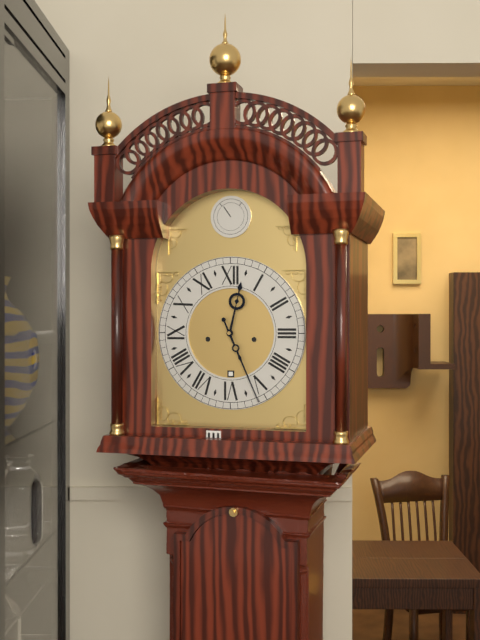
12:26
